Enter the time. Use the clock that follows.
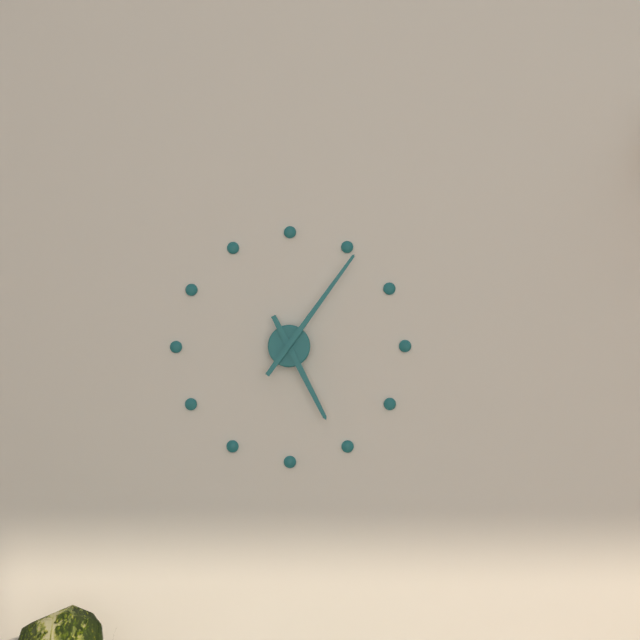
5:06
